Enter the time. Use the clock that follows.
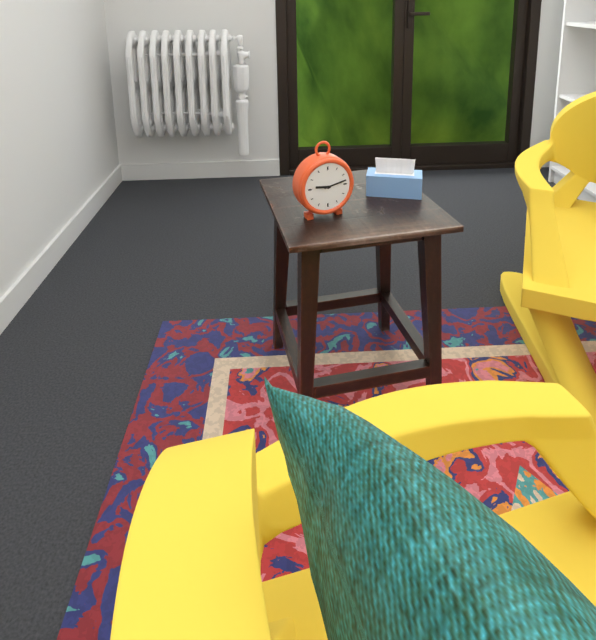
9:13
